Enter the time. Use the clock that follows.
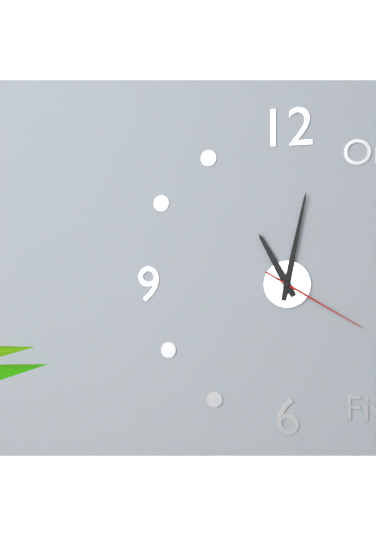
11:02:20
